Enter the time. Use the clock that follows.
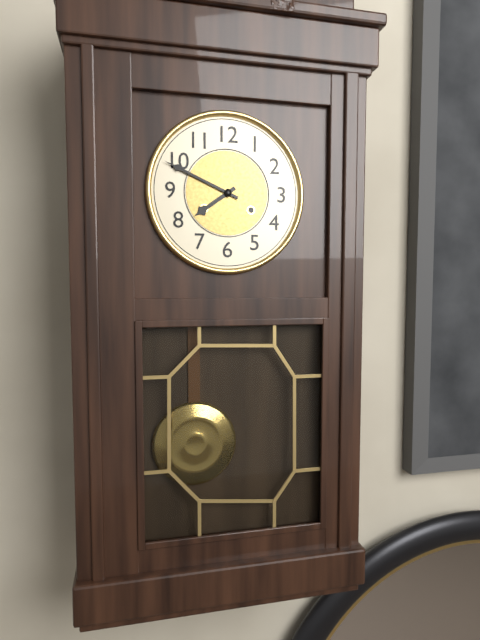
7:49
